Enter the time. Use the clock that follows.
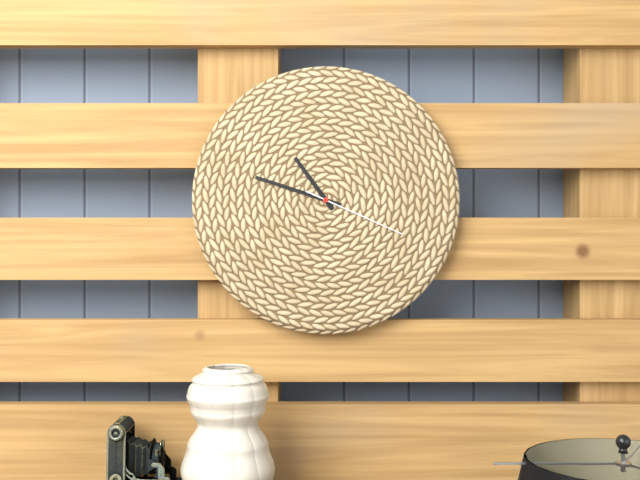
10:48:19
